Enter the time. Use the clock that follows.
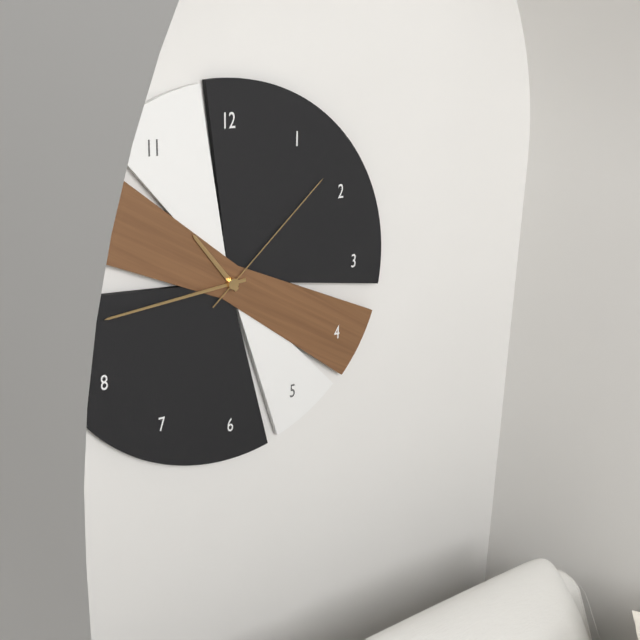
10:44:08
